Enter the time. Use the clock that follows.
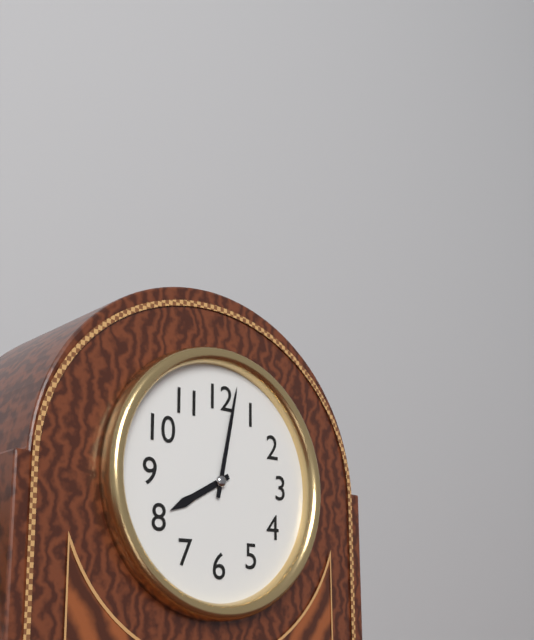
8:02
